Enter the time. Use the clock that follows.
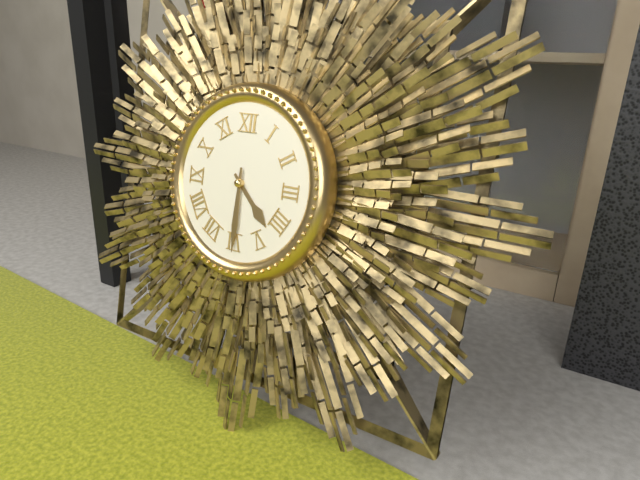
4:30
